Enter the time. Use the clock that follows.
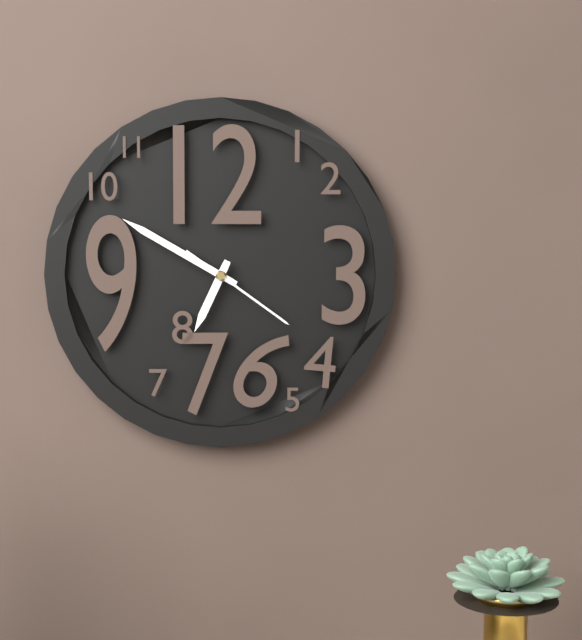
6:50:21
